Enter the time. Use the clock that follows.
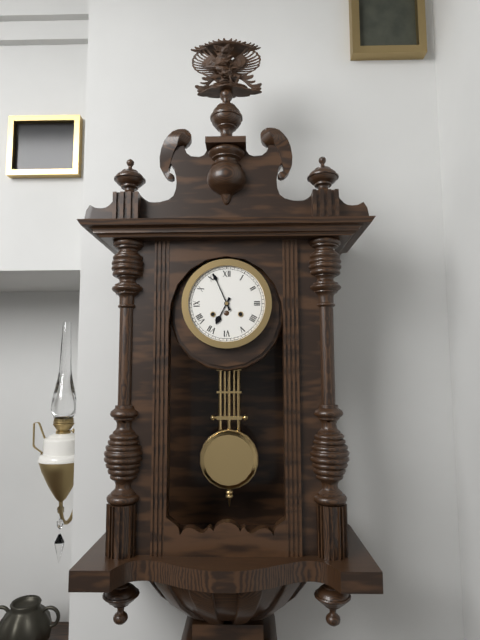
6:56
